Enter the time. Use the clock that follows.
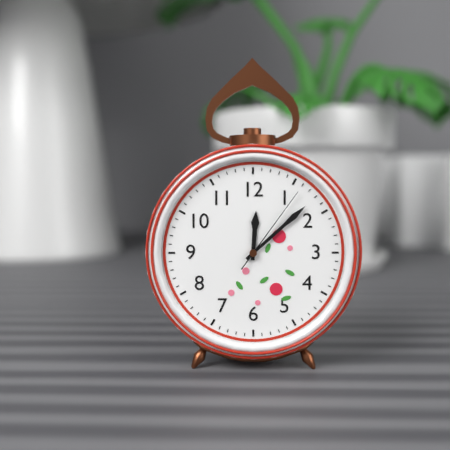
12:08:06
